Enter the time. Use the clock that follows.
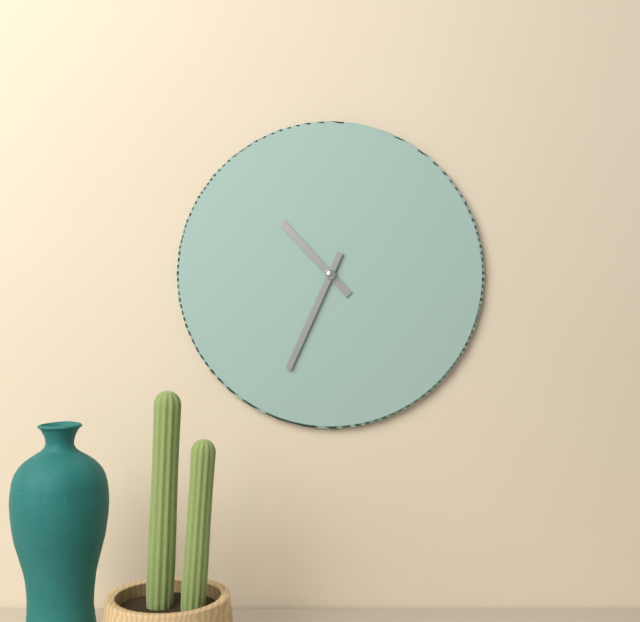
10:34
